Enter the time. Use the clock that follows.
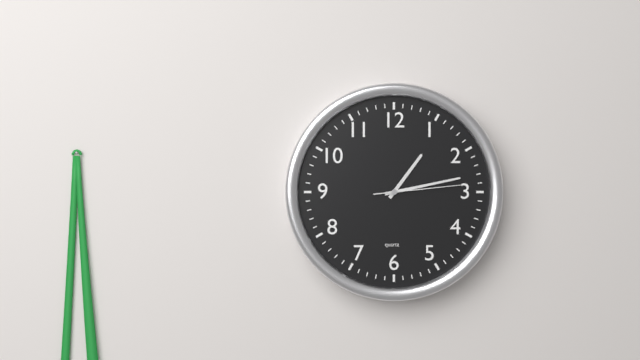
1:13:14
